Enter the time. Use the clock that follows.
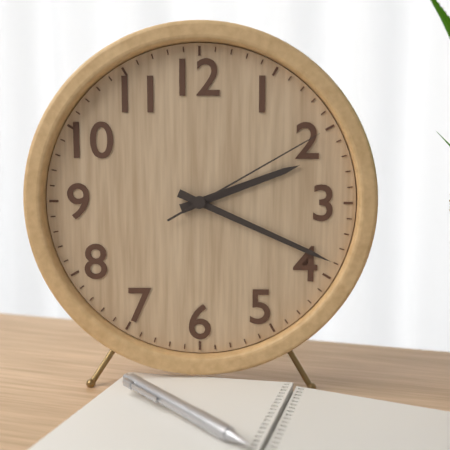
2:19:10
